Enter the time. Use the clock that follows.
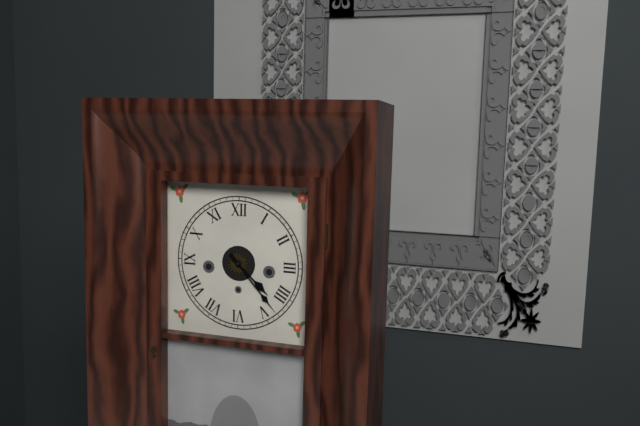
4:23
